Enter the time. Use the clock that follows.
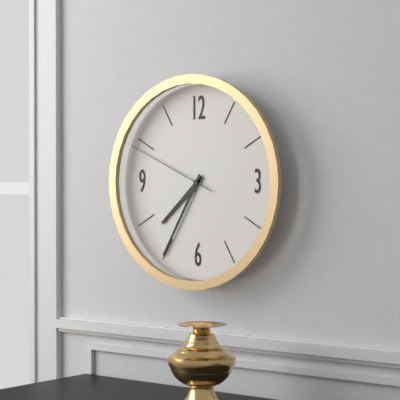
7:35:49
